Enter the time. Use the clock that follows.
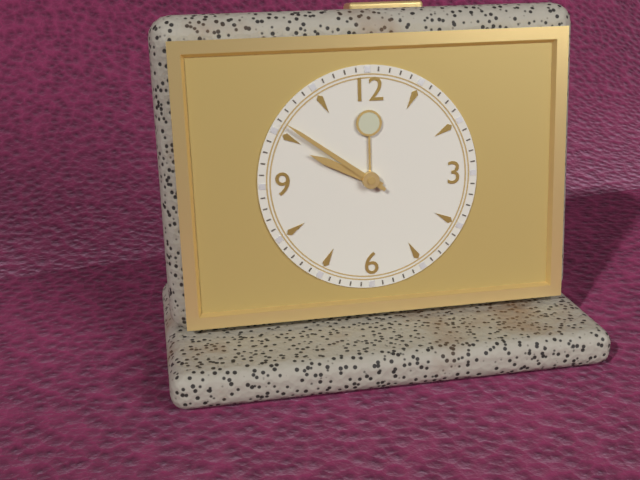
9:51
